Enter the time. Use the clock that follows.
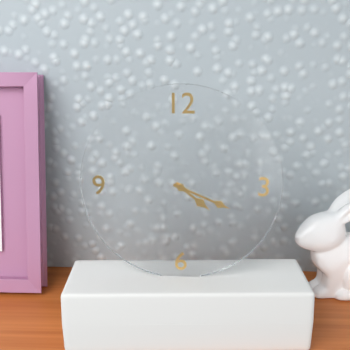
4:19
